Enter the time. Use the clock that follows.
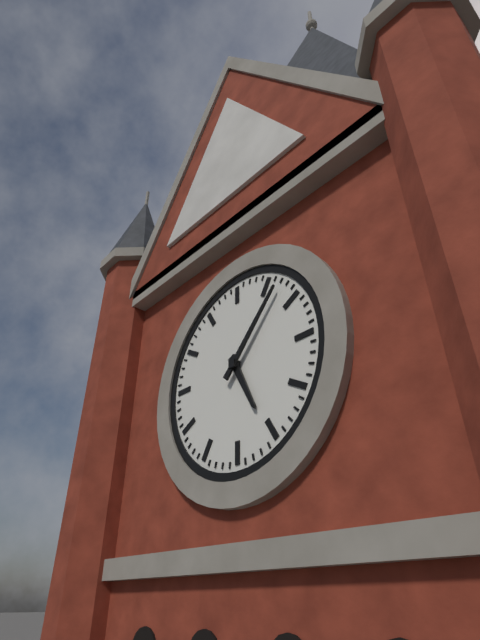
5:07
